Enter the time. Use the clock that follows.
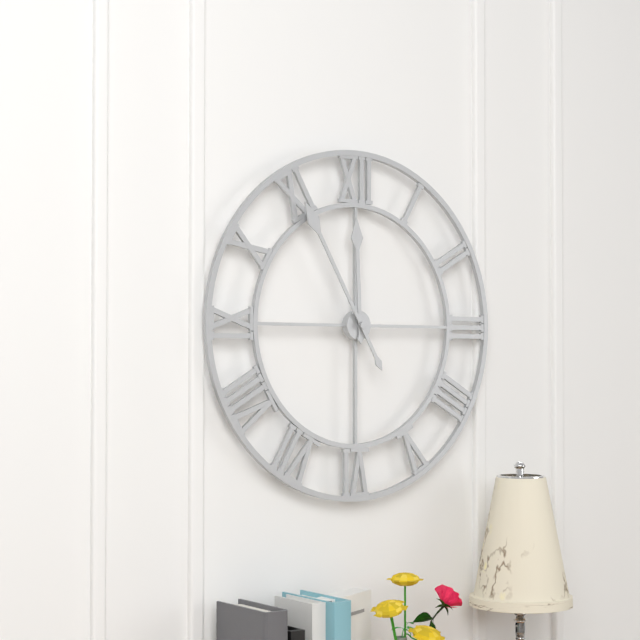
11:55
